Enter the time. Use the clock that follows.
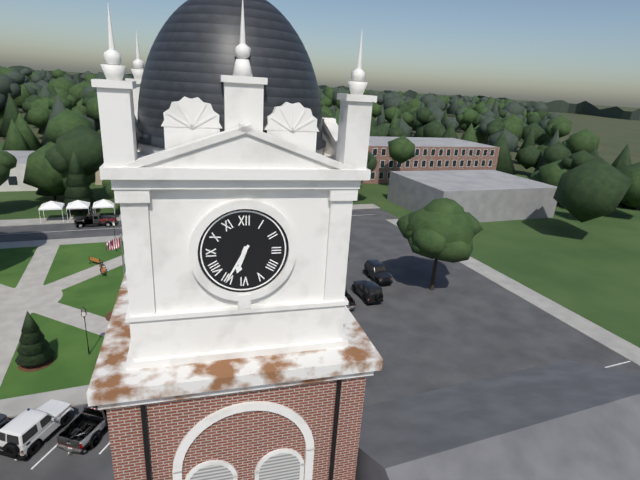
6:35
